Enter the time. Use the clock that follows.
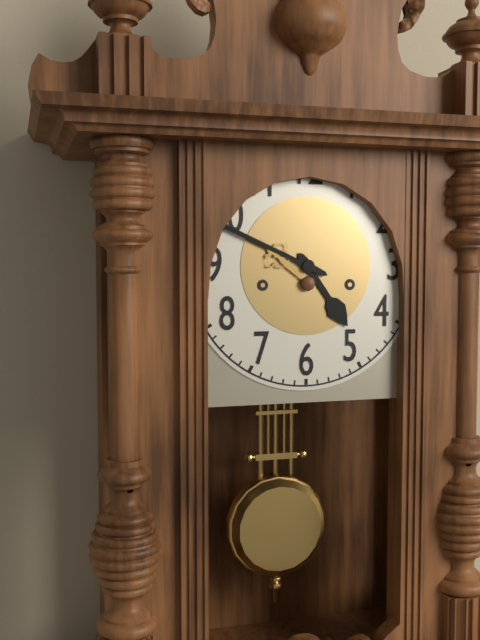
4:49
